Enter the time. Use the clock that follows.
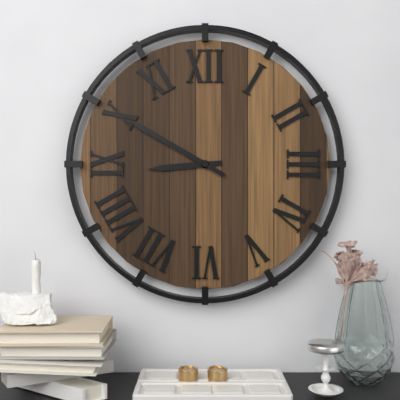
8:50
